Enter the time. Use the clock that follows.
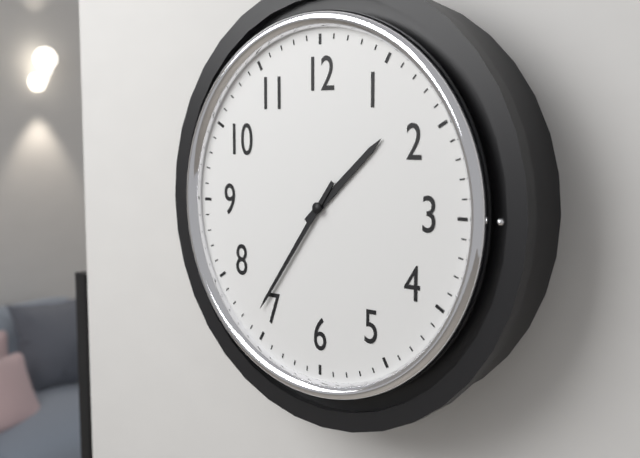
1:36
